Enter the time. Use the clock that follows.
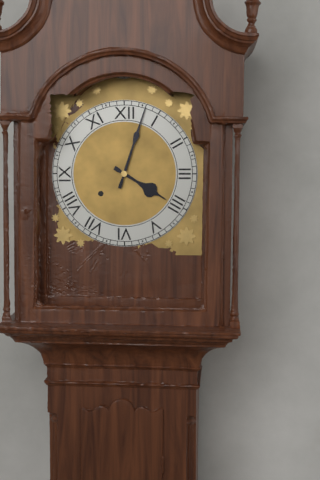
4:03
